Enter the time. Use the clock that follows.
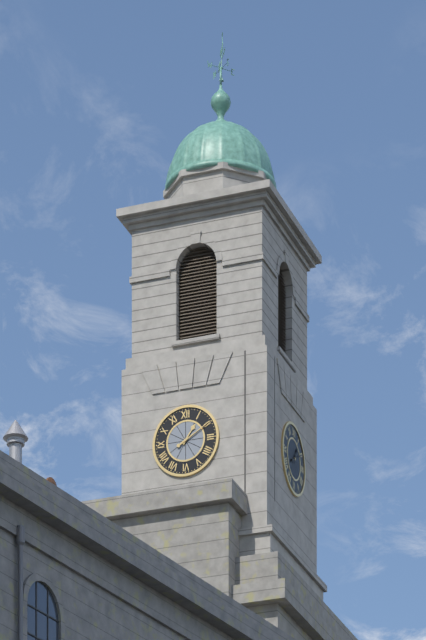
1:10
